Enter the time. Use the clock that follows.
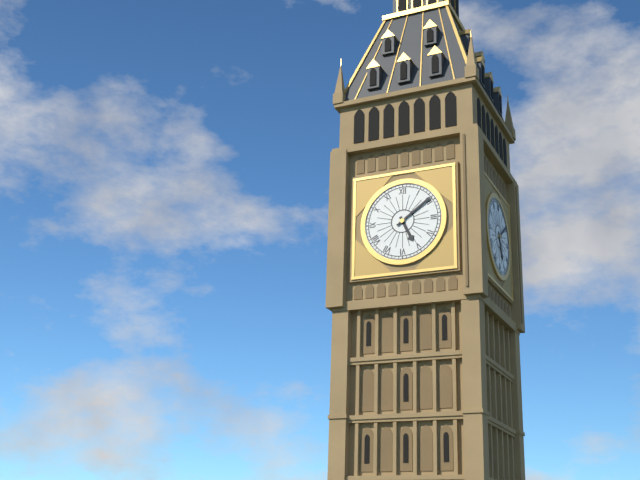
5:09
